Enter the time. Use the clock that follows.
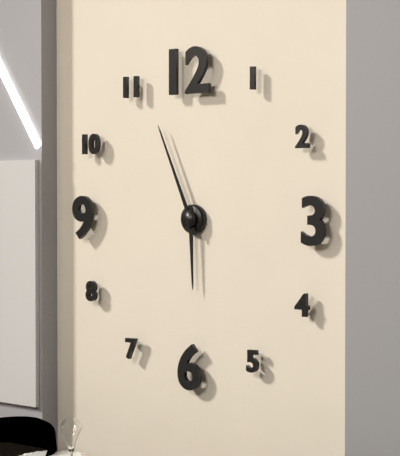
5:56
